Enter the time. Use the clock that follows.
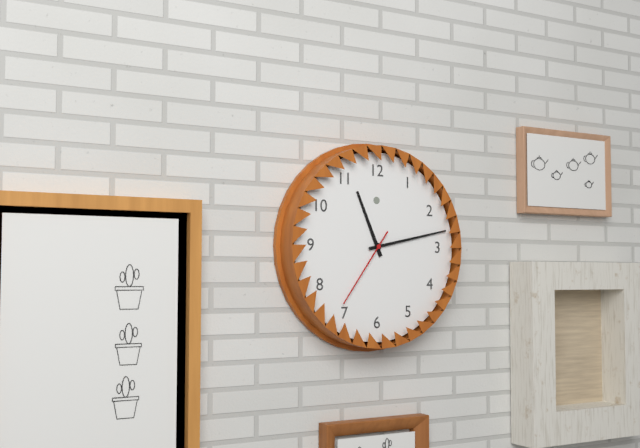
11:13:36
